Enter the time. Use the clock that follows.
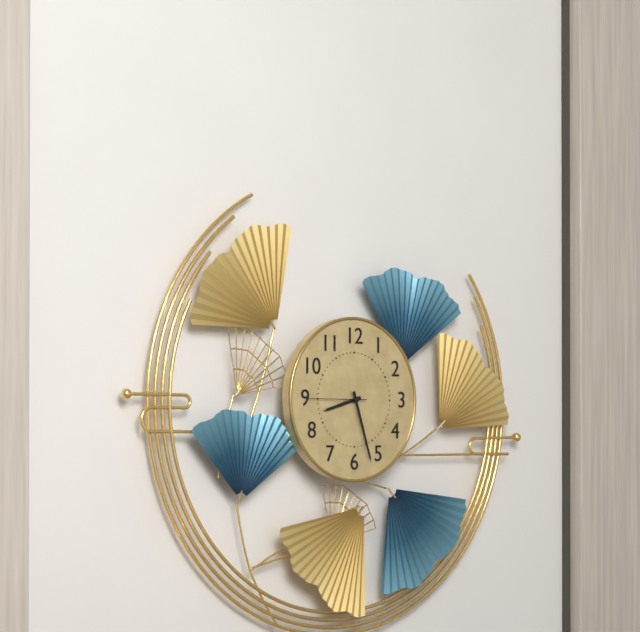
8:27:45
